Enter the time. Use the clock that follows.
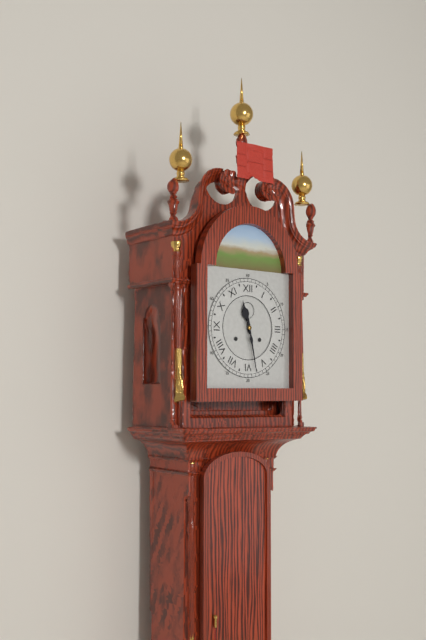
11:28
